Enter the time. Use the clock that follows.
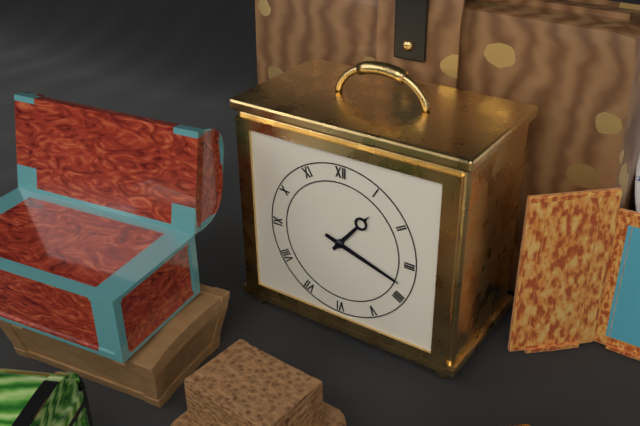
1:18
